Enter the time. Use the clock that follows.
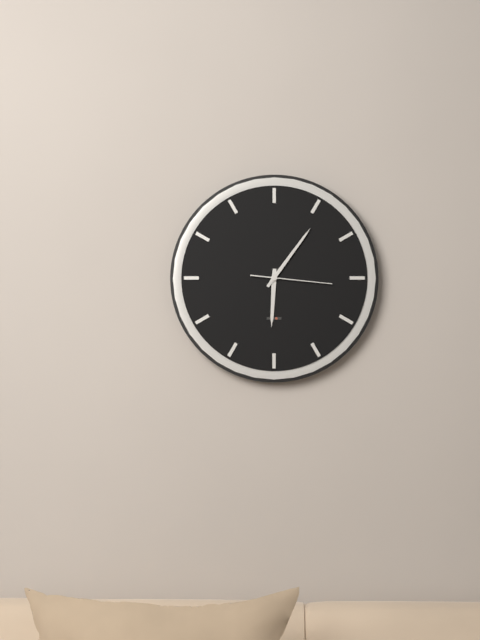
6:06:16
